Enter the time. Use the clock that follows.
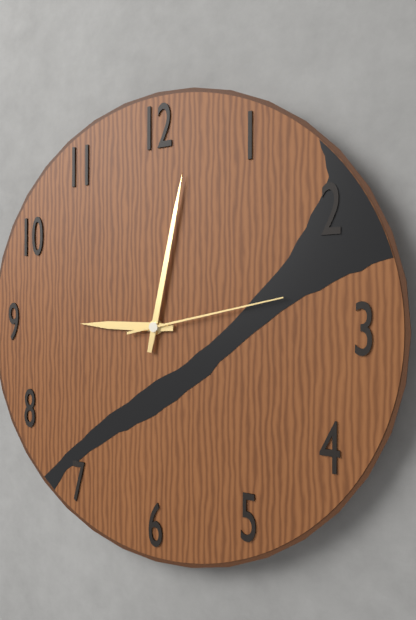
9:02:13
